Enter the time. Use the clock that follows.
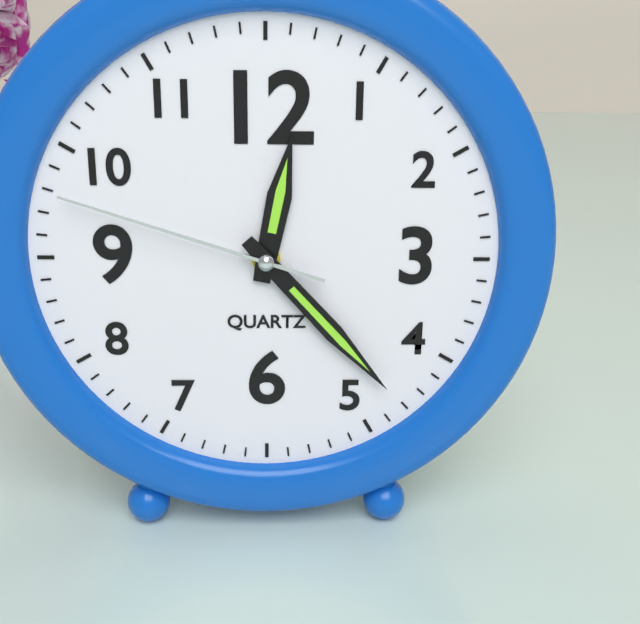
12:23:48
